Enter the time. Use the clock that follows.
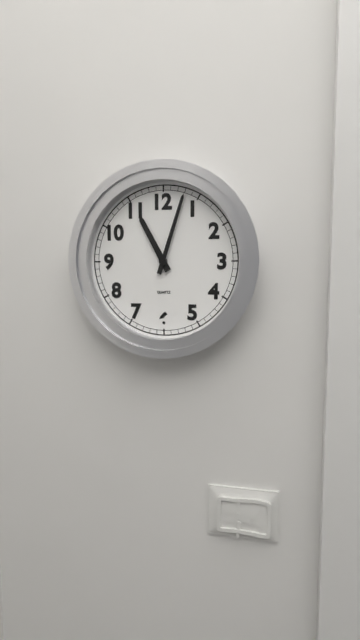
11:03
